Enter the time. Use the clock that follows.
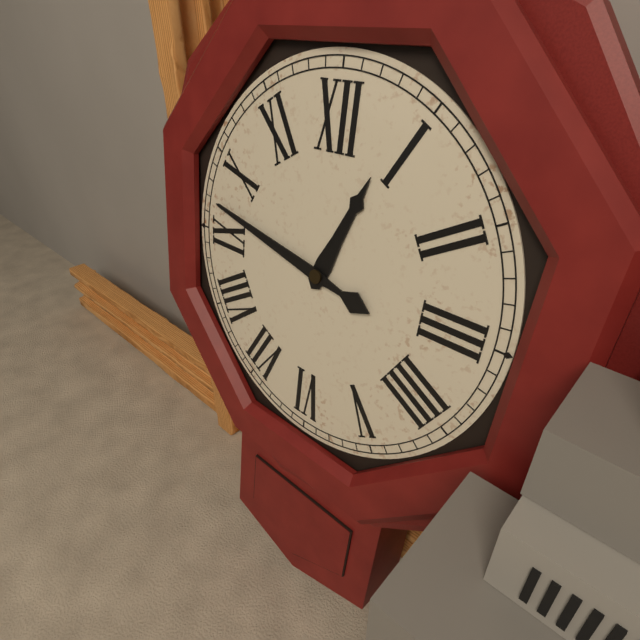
12:47
